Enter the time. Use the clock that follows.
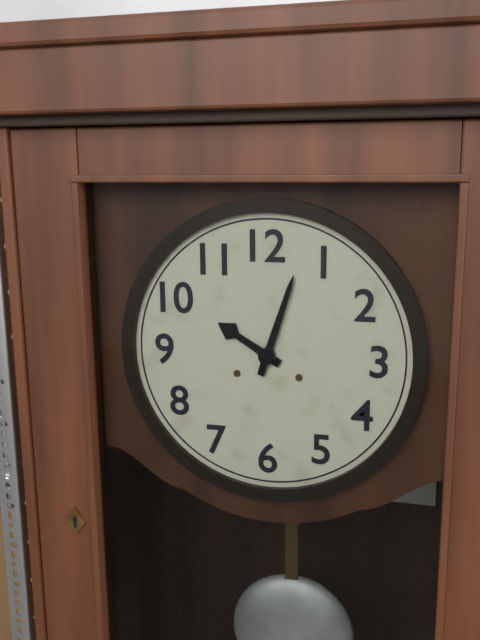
10:03
